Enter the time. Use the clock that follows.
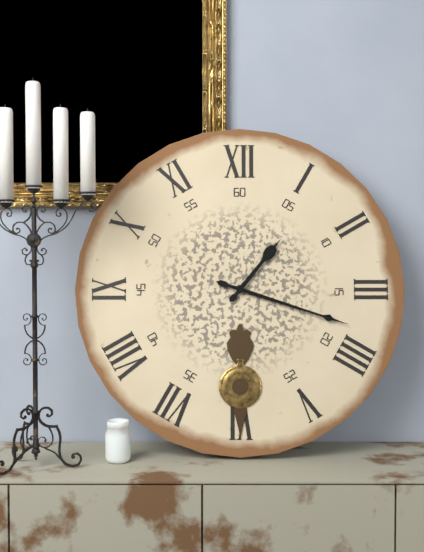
1:18
